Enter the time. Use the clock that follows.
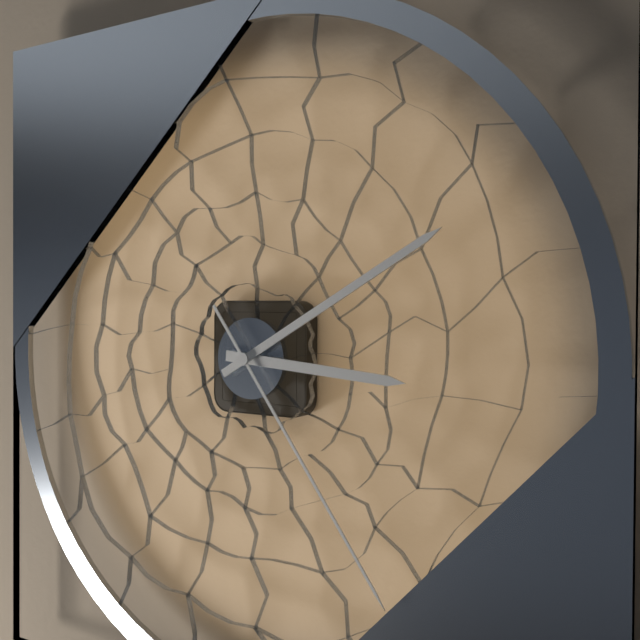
3:10:24
